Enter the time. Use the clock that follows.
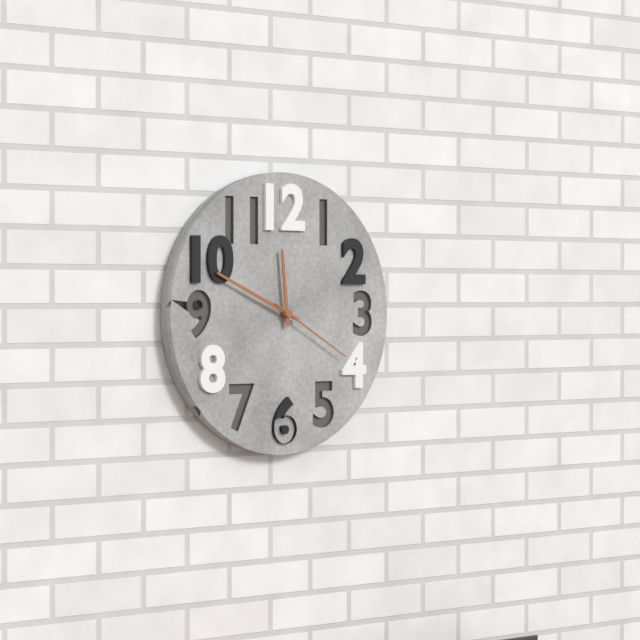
11:49:20
